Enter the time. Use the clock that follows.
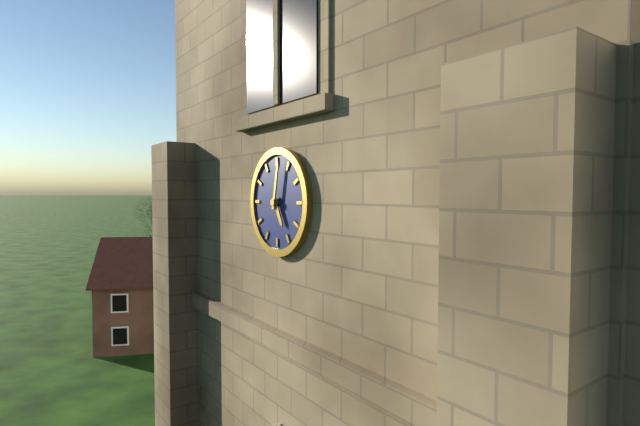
5:02
